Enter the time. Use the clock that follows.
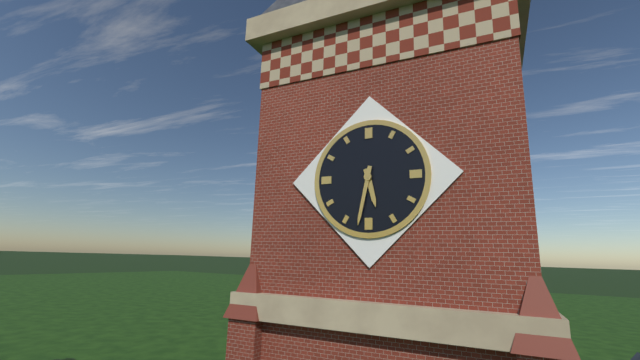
5:32
